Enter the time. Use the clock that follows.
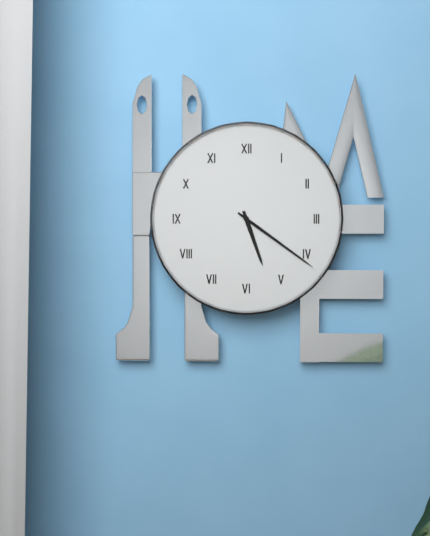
5:21
